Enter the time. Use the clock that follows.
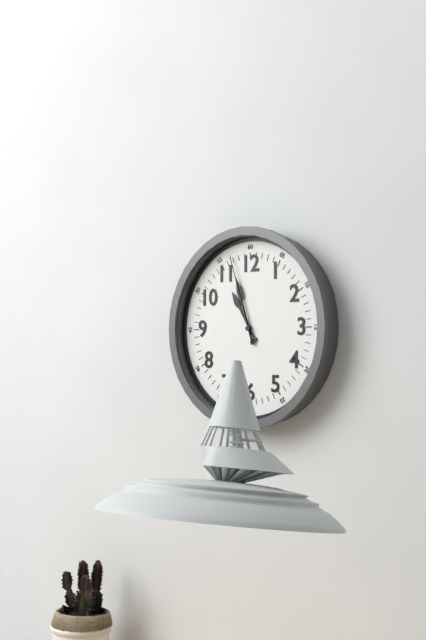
10:57:57
